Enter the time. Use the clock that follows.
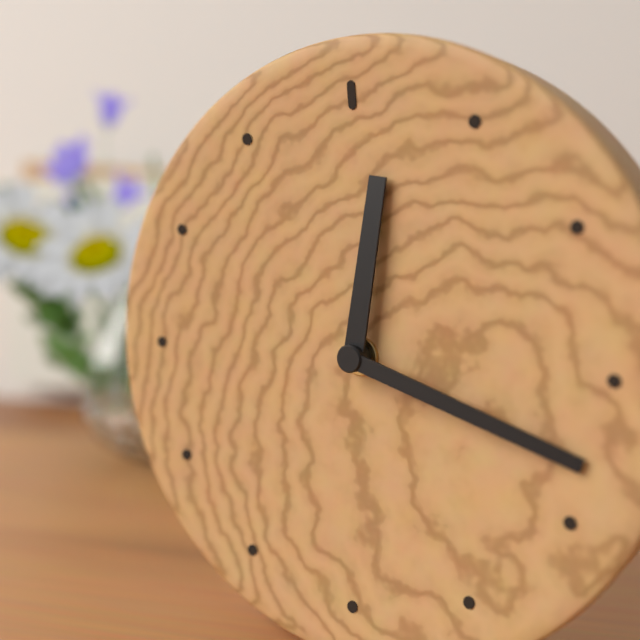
12:18
